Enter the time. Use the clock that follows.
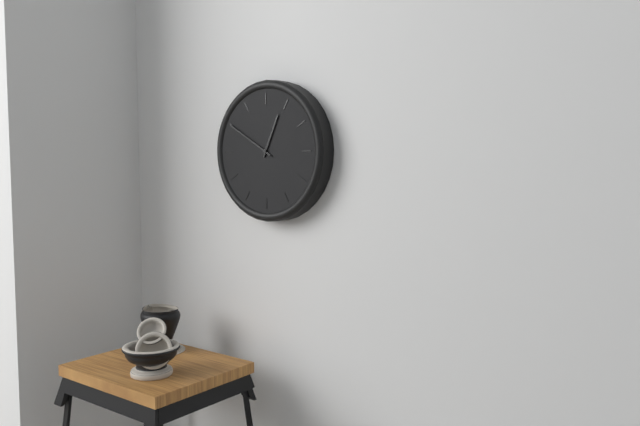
12:50
